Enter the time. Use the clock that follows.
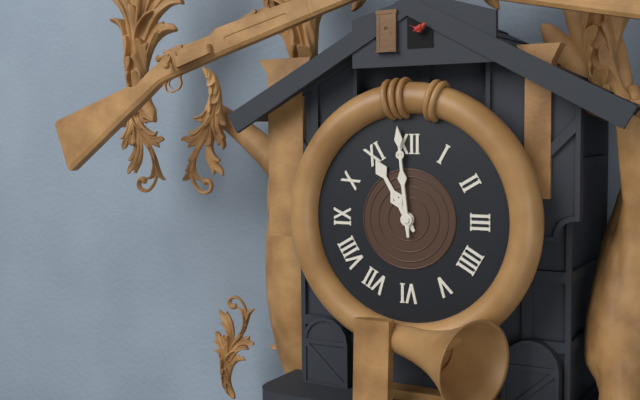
10:59
